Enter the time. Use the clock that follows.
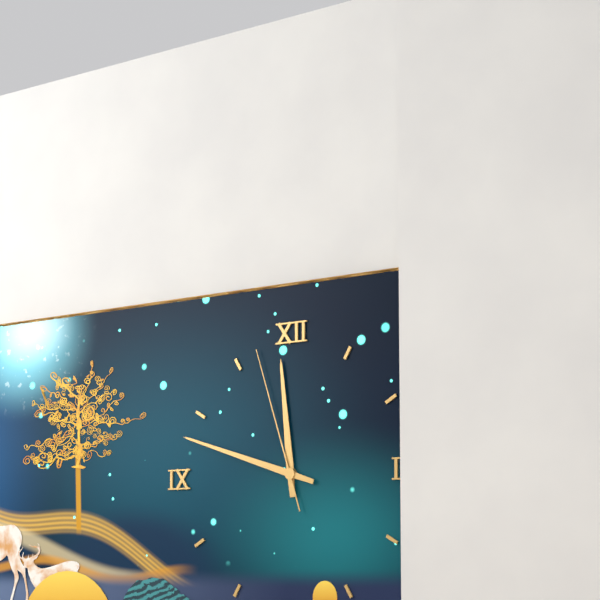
11:48:57
